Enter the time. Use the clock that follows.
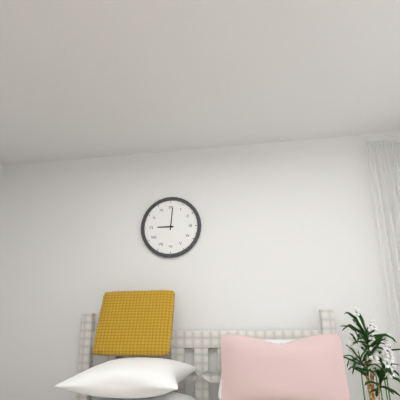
9:01
